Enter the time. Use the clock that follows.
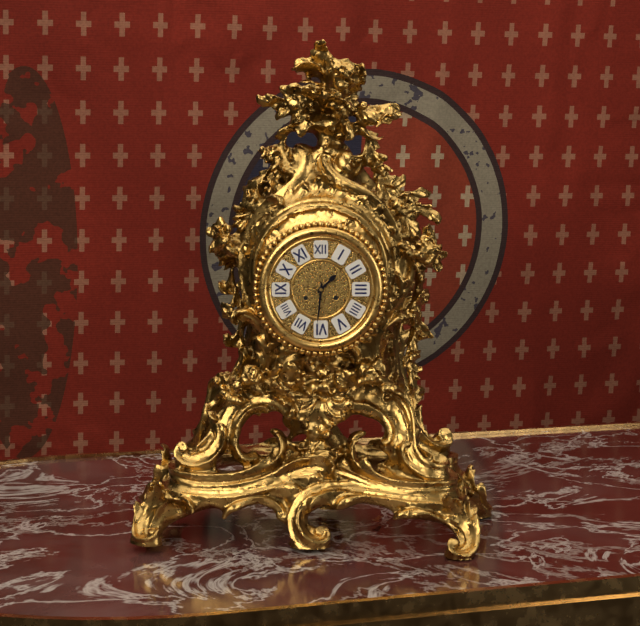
1:31
